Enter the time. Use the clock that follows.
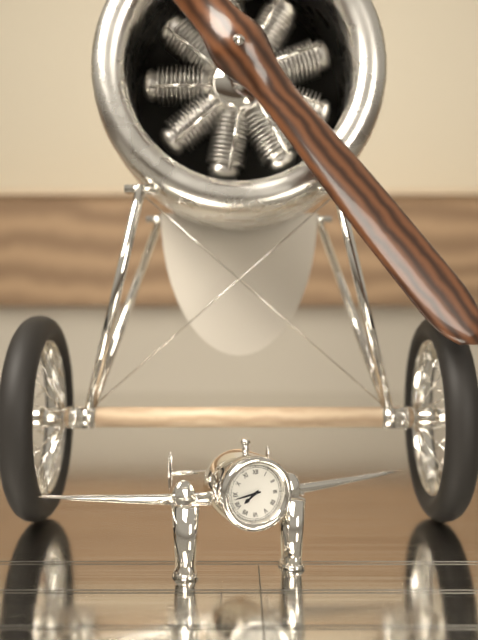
7:43
